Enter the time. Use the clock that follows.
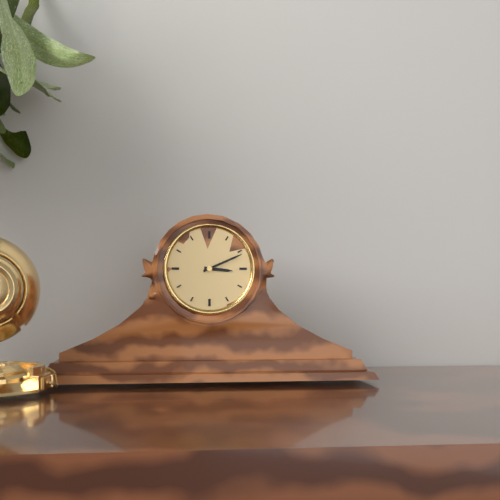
3:11
